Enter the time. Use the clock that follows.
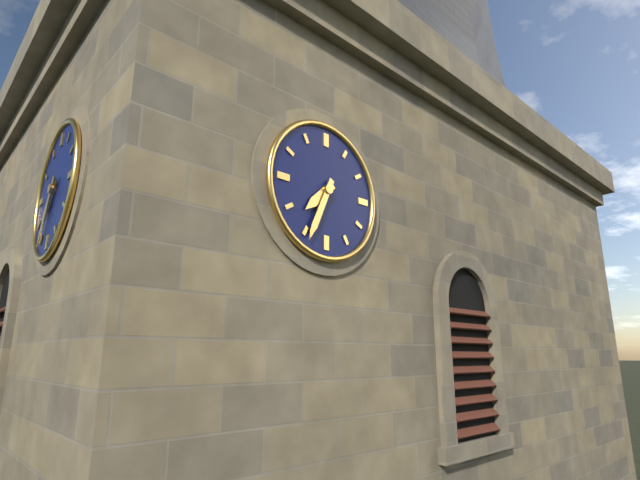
7:34
